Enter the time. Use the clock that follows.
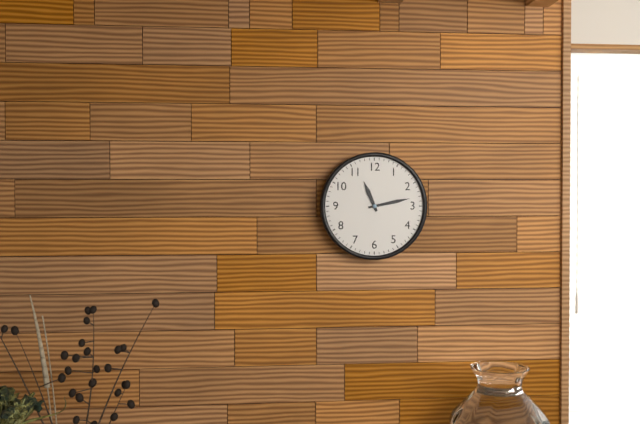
11:13
